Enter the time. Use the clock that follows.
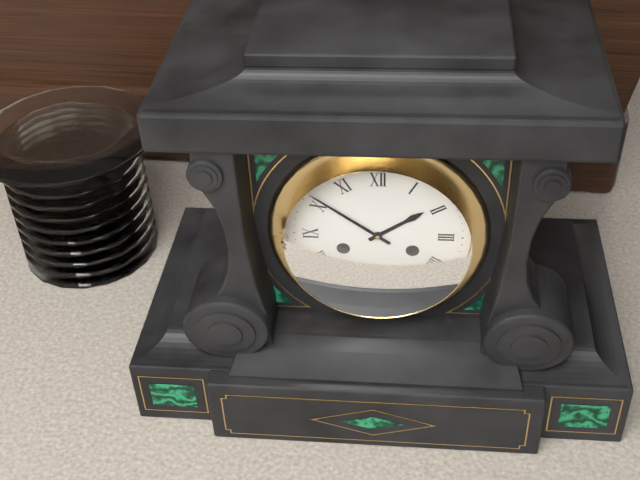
1:51
